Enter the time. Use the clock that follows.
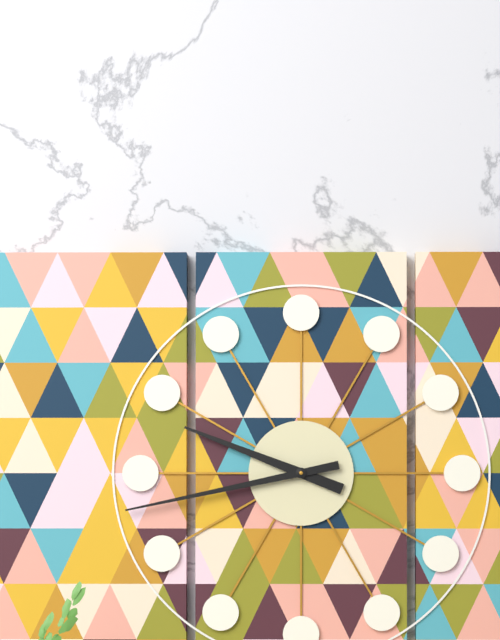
9:43
